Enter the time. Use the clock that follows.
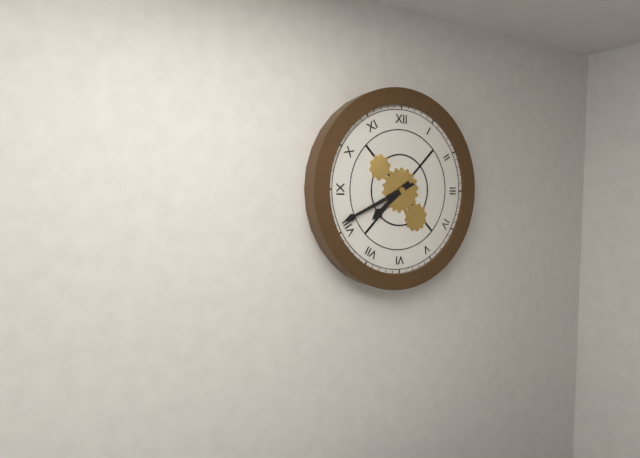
7:41
